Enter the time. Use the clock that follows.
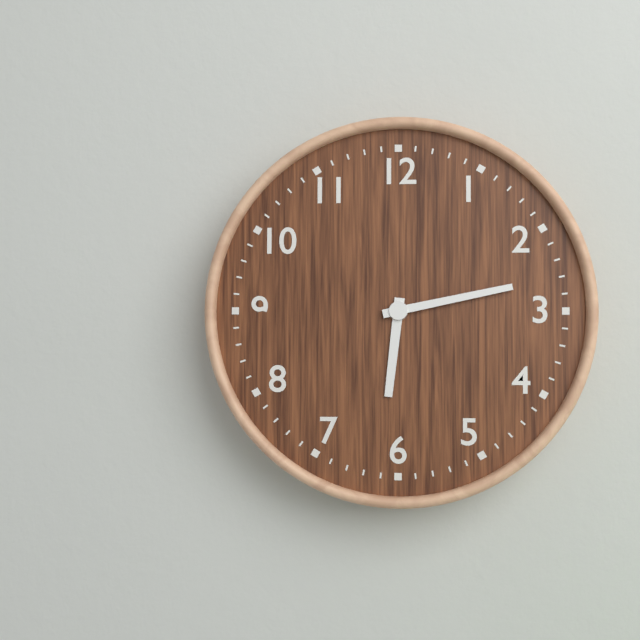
6:13
